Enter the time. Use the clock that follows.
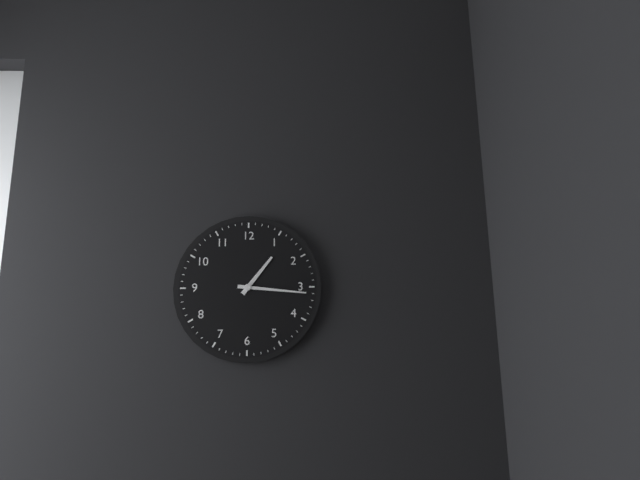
1:16
